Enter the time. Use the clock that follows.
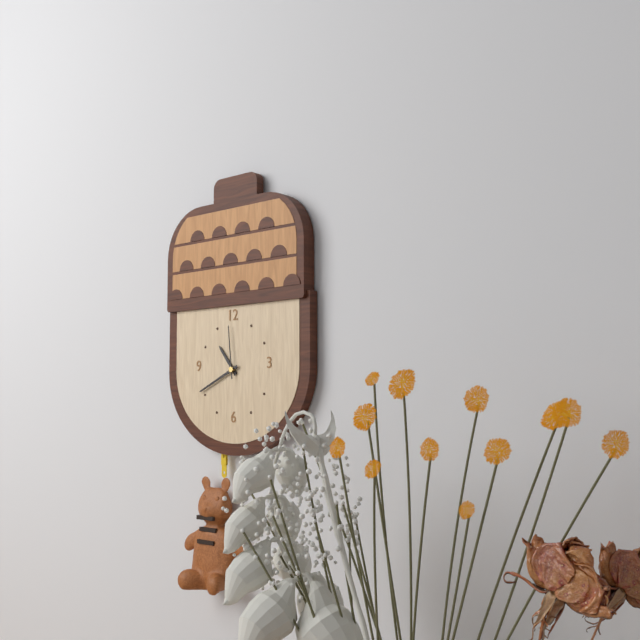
10:41:59
